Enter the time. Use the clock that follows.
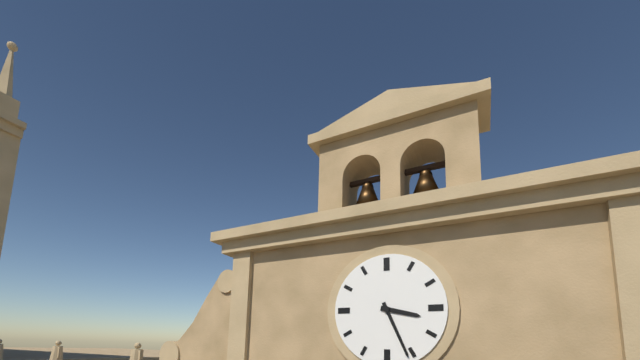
3:26
